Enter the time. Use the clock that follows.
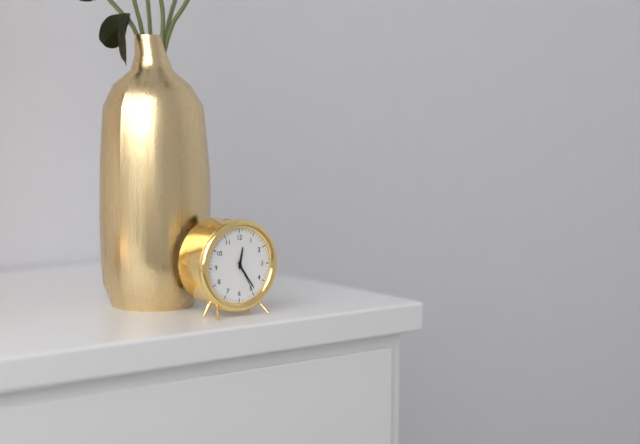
12:24
